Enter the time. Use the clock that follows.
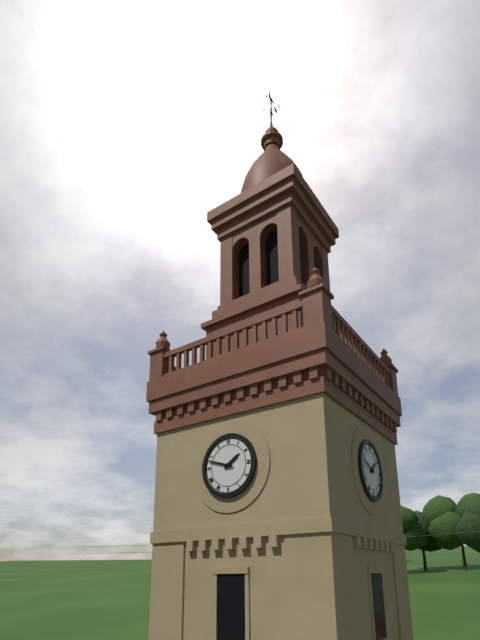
1:48
